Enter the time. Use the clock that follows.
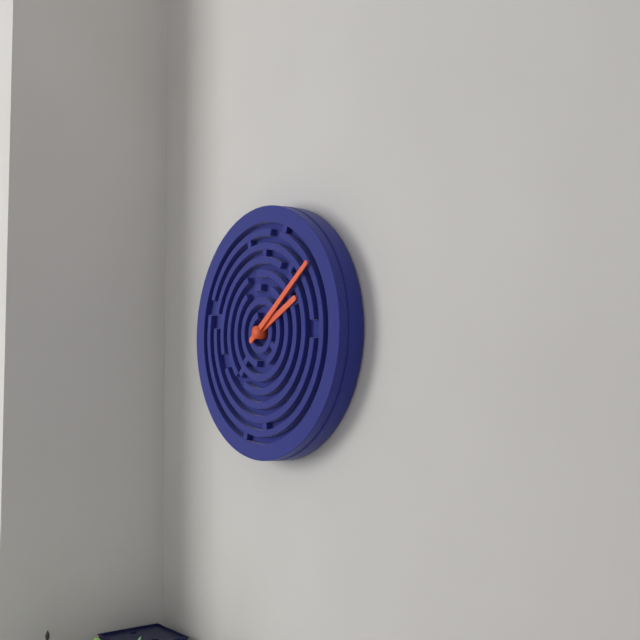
2:09
